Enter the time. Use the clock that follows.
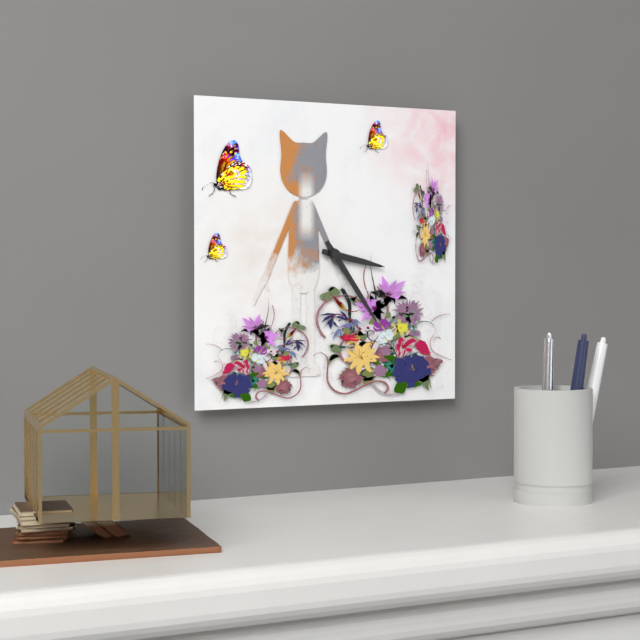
3:24
